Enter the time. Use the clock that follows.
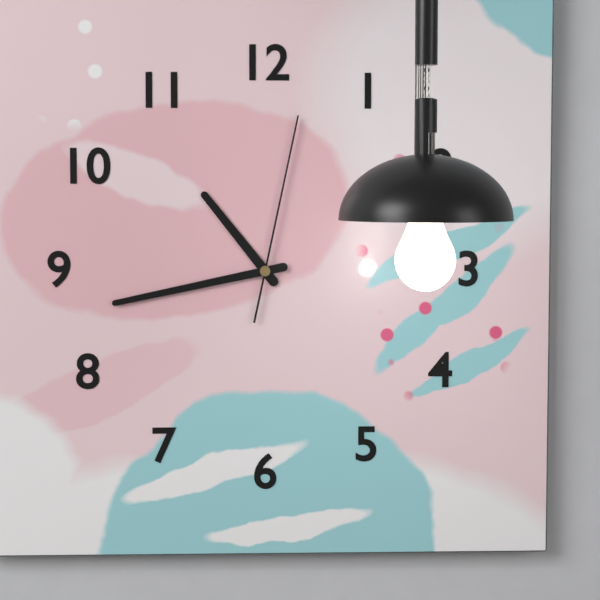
10:43:02
